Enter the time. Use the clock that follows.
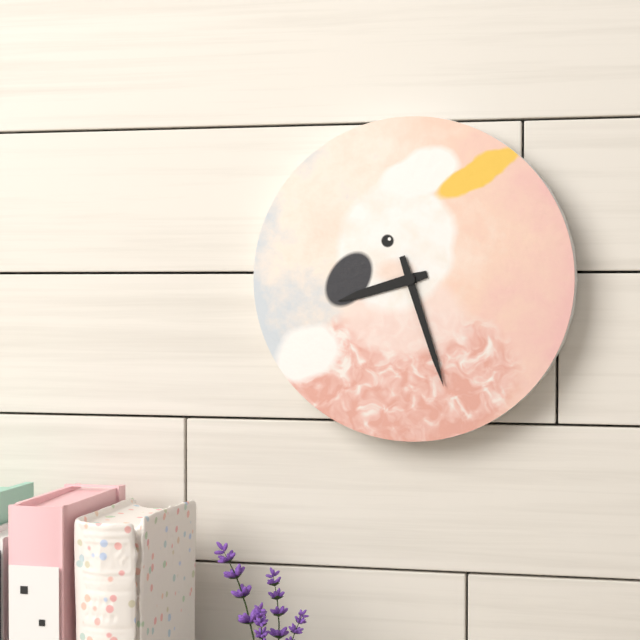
8:27
